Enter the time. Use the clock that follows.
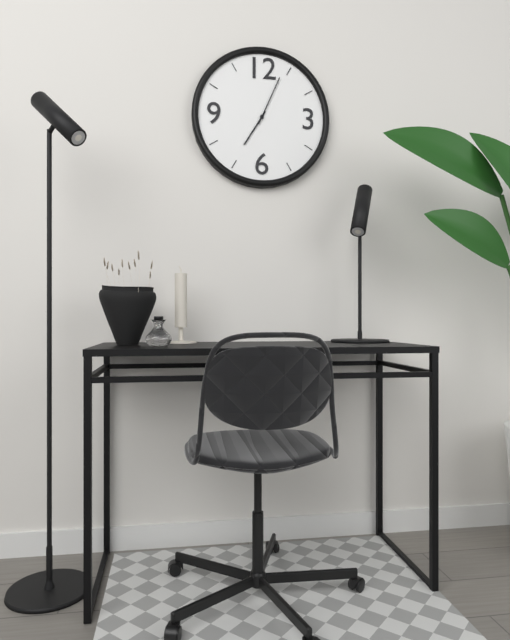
7:04
